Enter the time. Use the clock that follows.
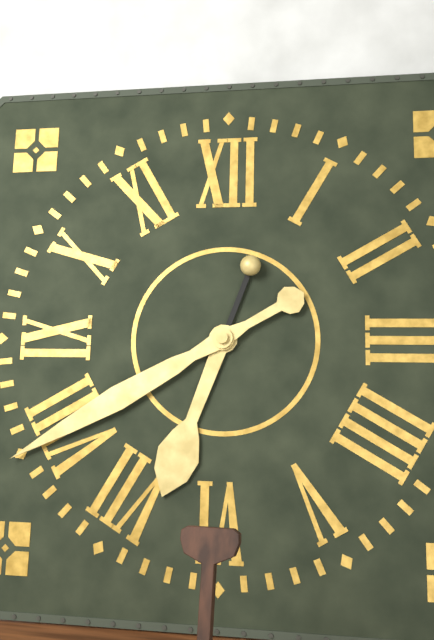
6:40
